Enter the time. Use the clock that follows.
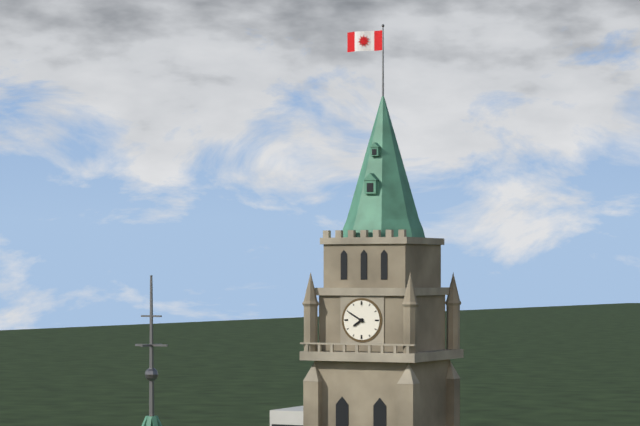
7:50
